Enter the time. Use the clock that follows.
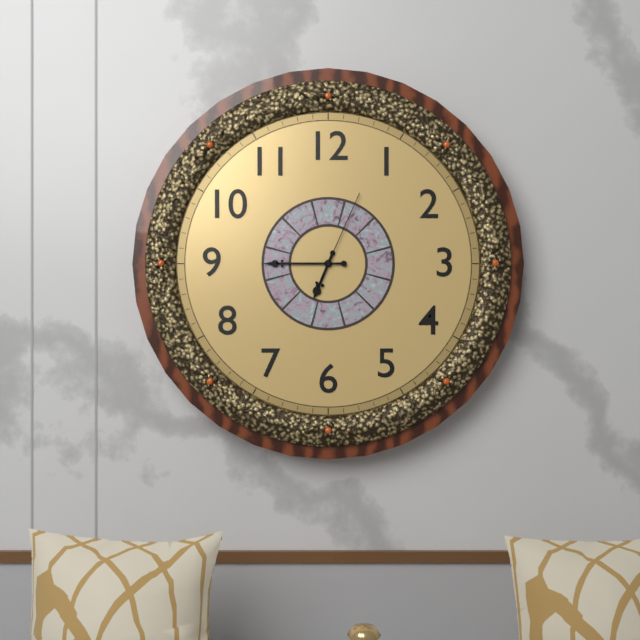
6:45:04
